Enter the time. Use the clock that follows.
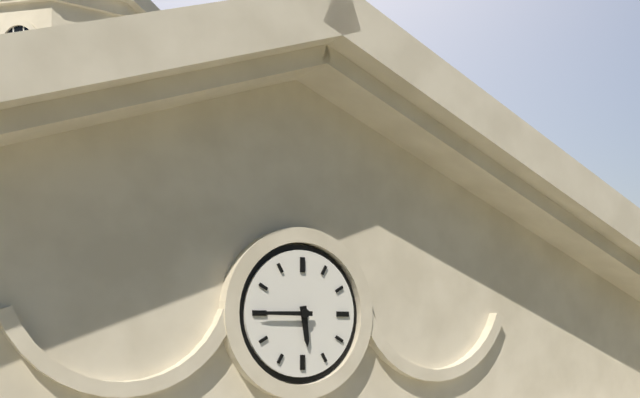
5:45
